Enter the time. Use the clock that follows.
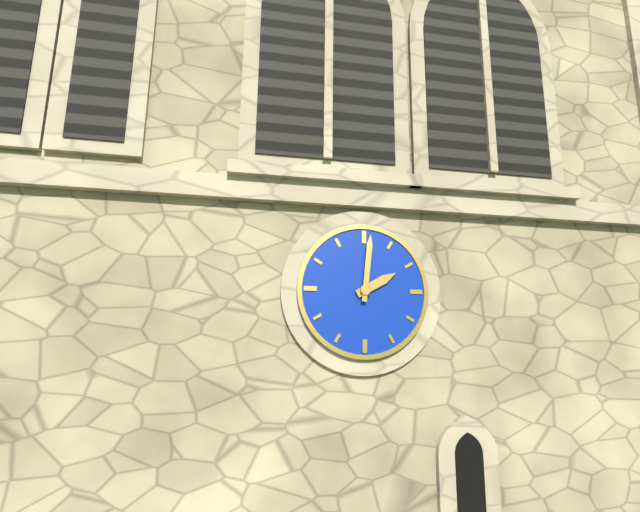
2:01
